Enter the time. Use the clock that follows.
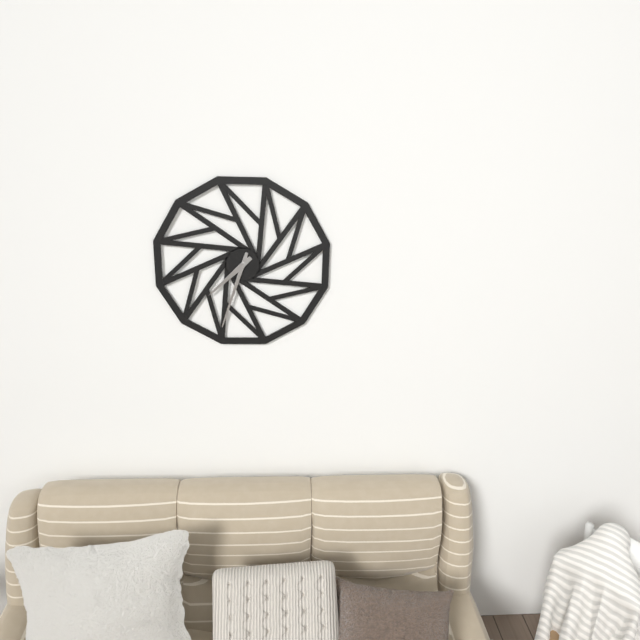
7:33
